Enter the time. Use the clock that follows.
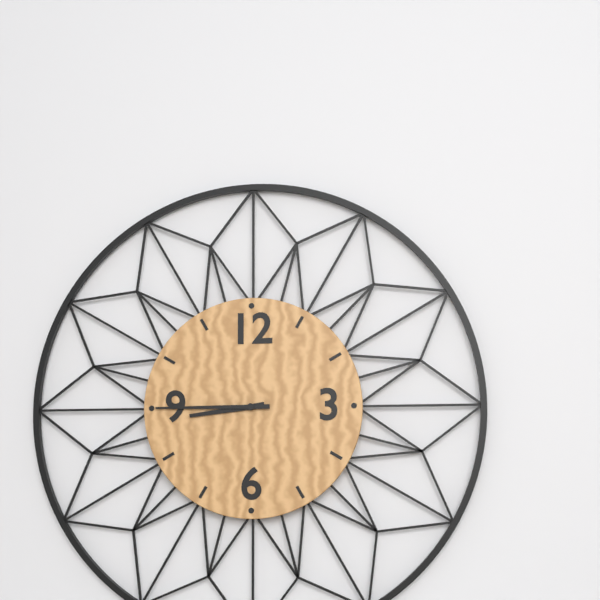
8:45
